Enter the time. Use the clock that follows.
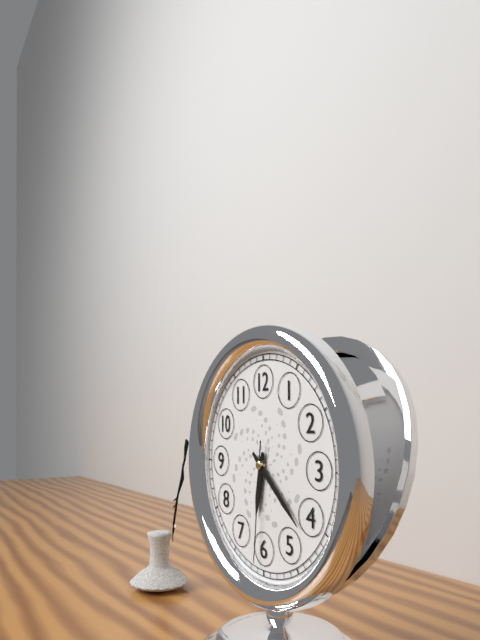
6:22:31
